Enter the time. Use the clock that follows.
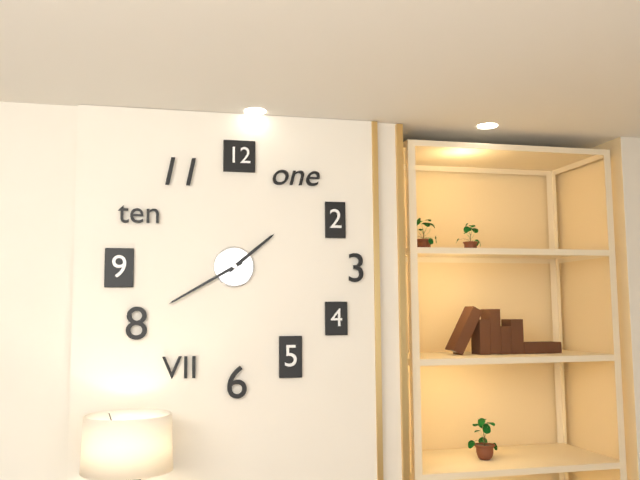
1:40
